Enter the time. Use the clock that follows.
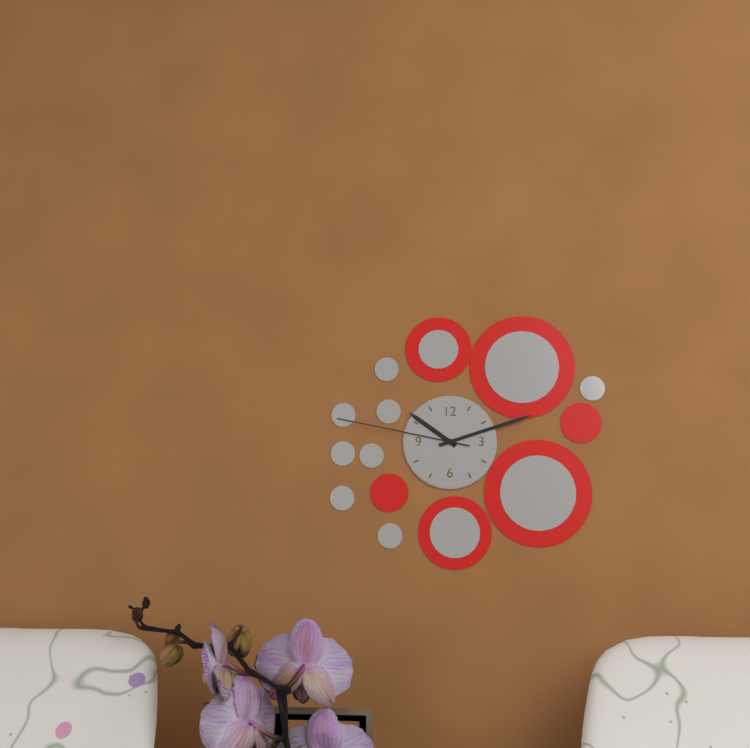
10:12:47
